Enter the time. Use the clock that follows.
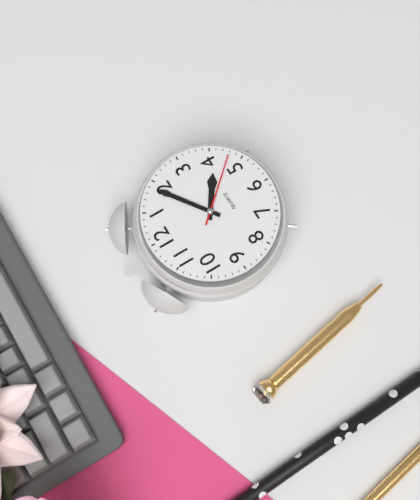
4:09:23
